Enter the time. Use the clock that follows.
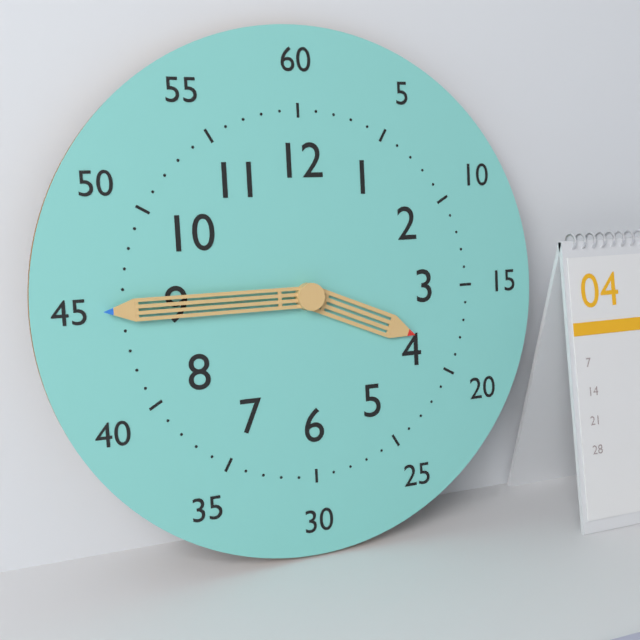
3:45
